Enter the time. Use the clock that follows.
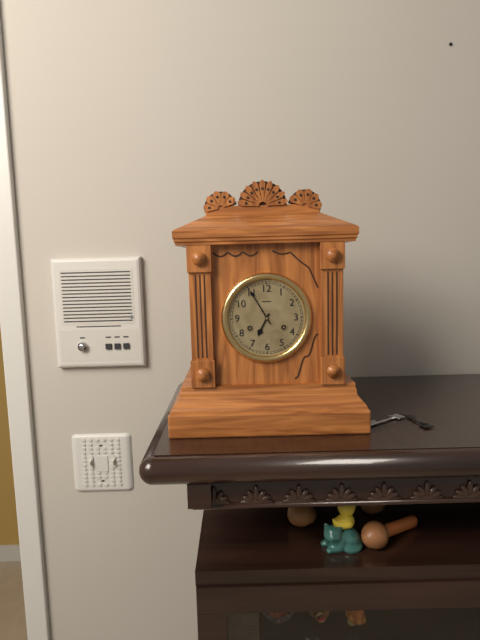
6:55
